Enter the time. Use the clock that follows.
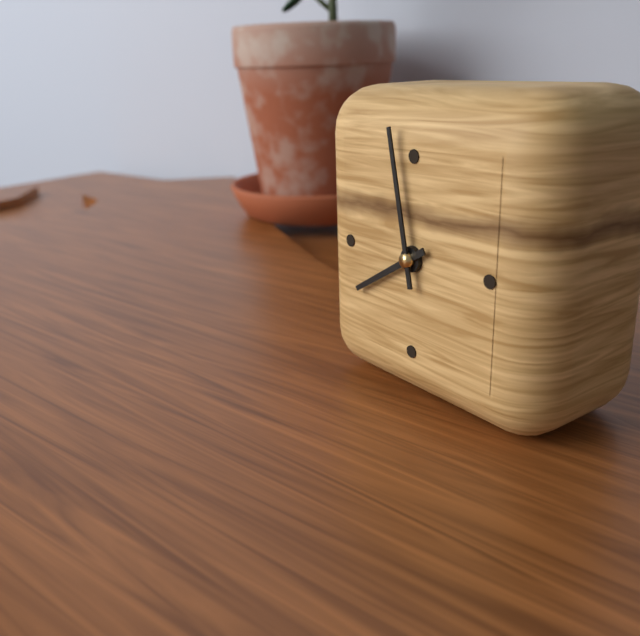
7:58
